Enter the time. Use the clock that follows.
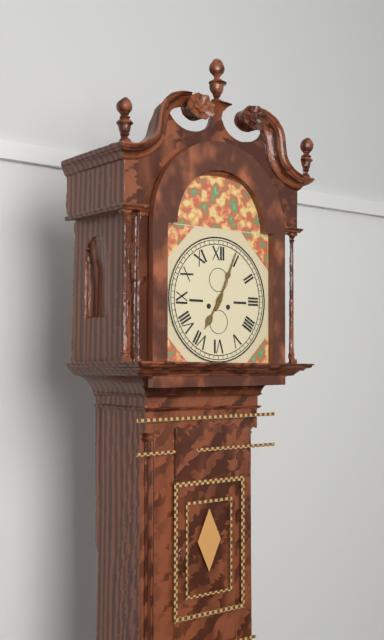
7:04
